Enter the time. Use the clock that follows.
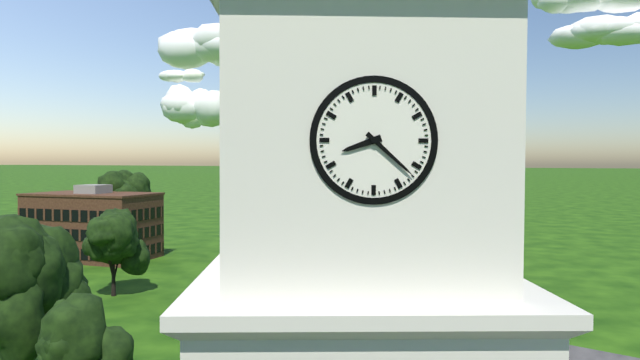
8:22
